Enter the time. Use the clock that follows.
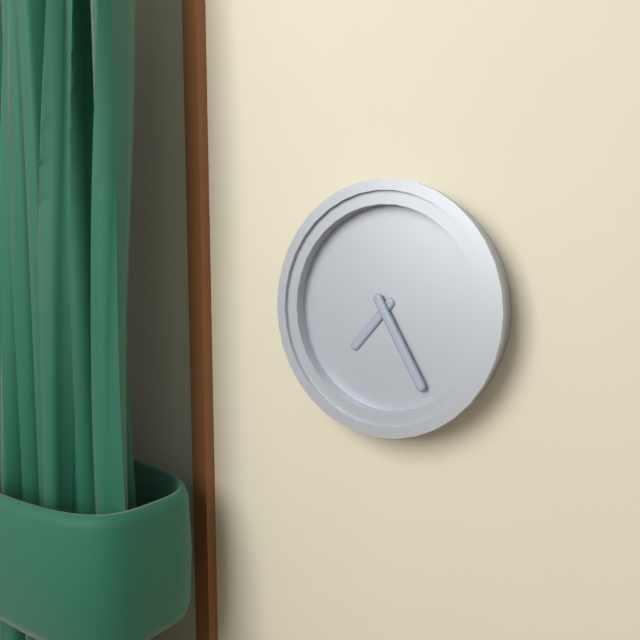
7:25
